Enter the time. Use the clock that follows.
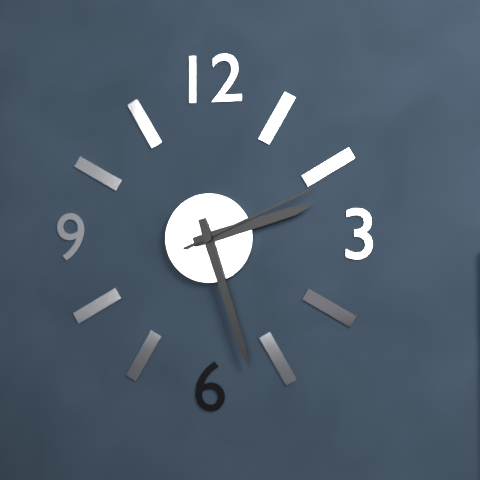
2:27:11
